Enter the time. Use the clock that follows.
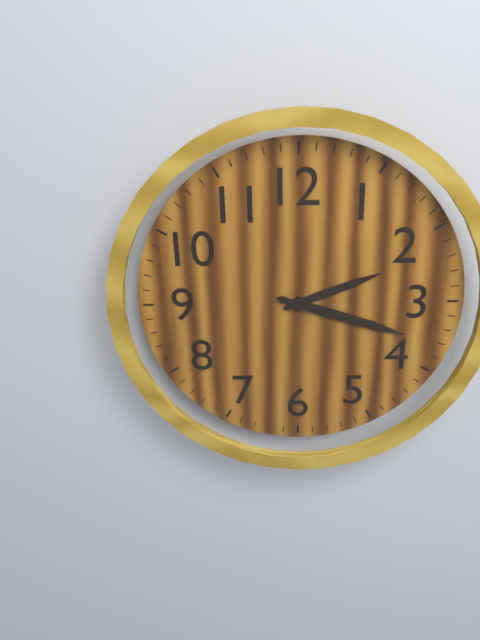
2:18
